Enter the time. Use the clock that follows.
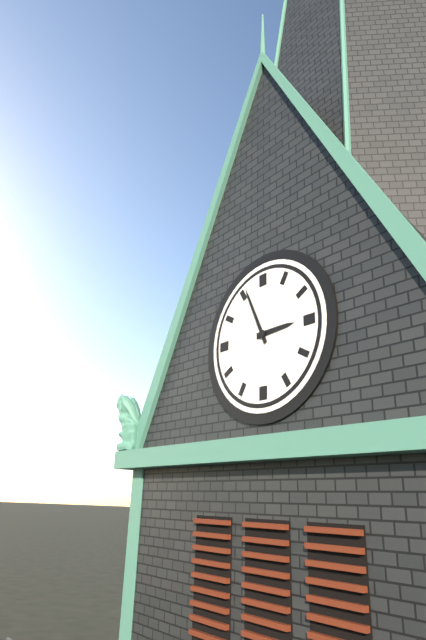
2:56
